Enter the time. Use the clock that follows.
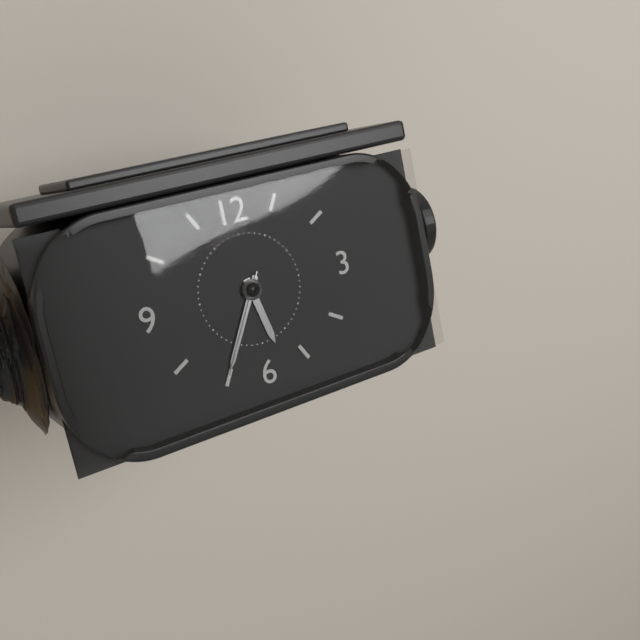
5:35:35
